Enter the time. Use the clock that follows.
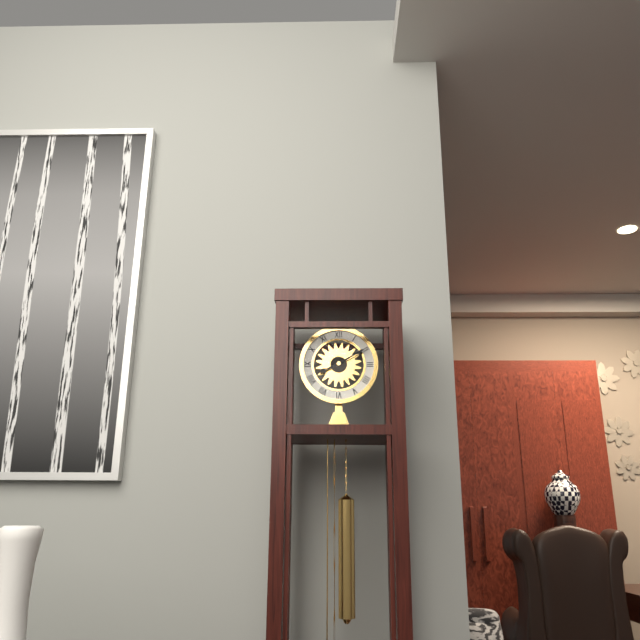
8:10
